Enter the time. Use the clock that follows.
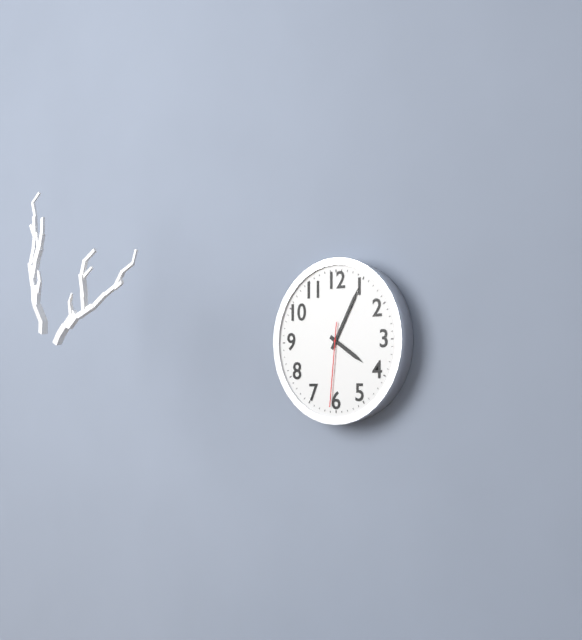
4:05:31
